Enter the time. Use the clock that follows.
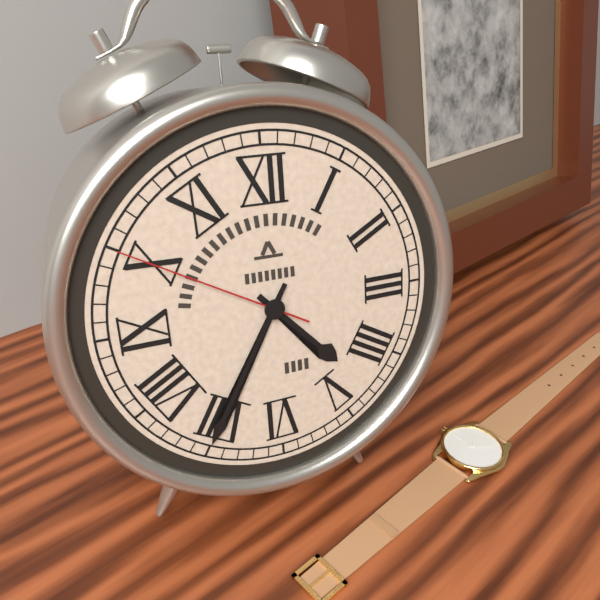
4:35:50
